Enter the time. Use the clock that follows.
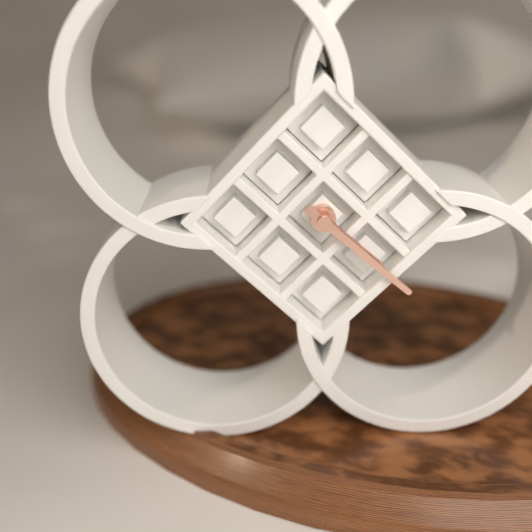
4:22
